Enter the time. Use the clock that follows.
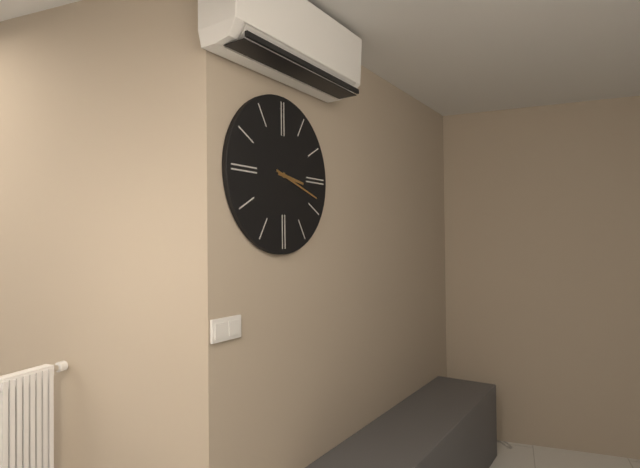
3:18
